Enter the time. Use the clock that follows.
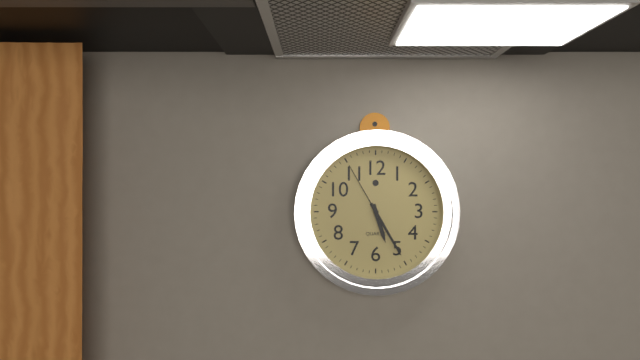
5:25:55
